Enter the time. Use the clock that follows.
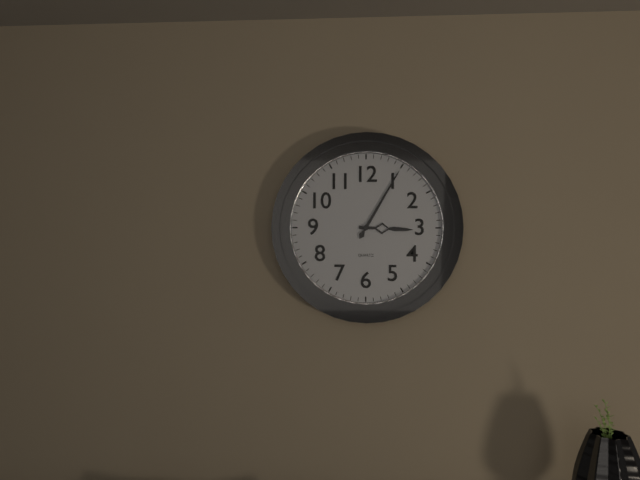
3:05
